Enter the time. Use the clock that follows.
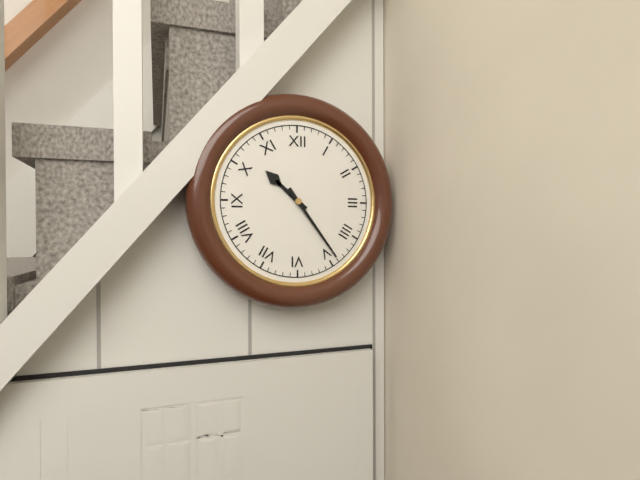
10:24
